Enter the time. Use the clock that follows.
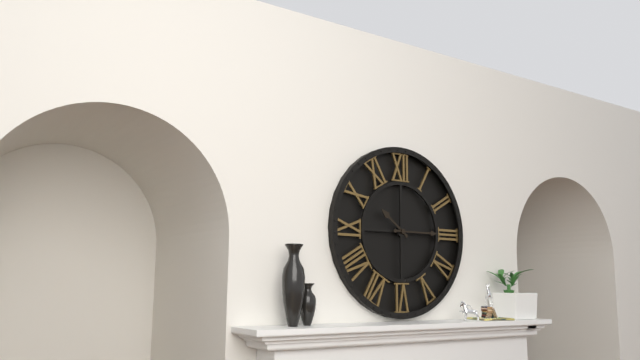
10:15
